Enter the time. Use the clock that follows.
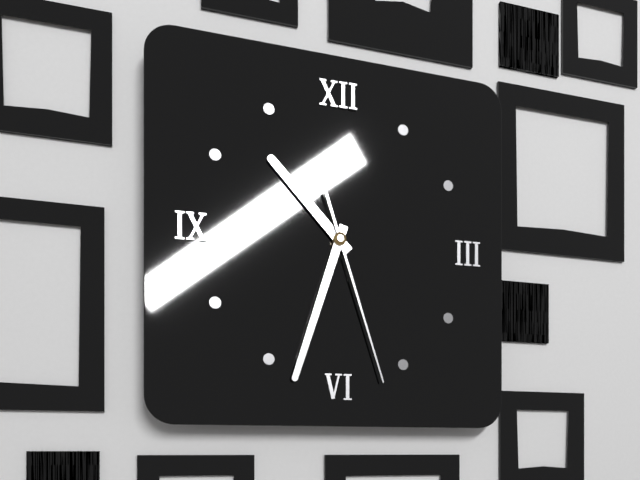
10:33:27
